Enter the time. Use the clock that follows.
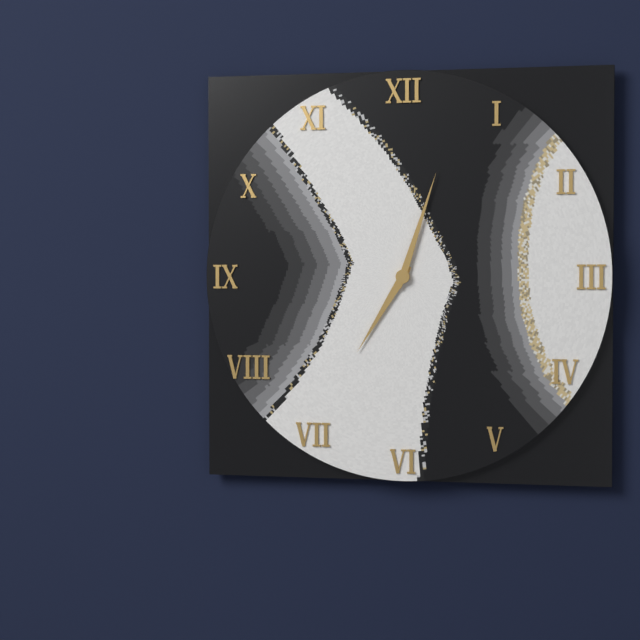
7:03
